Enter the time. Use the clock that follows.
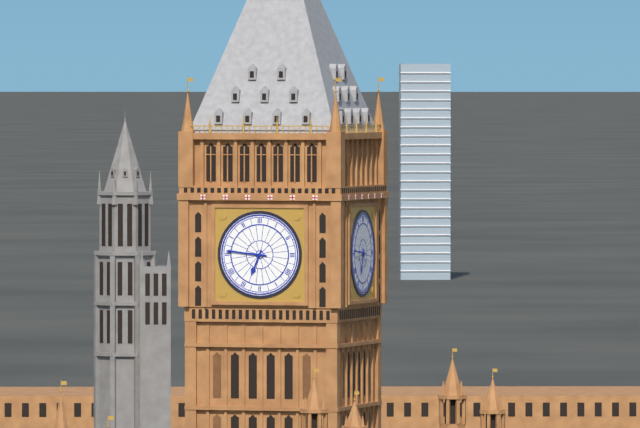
6:46
